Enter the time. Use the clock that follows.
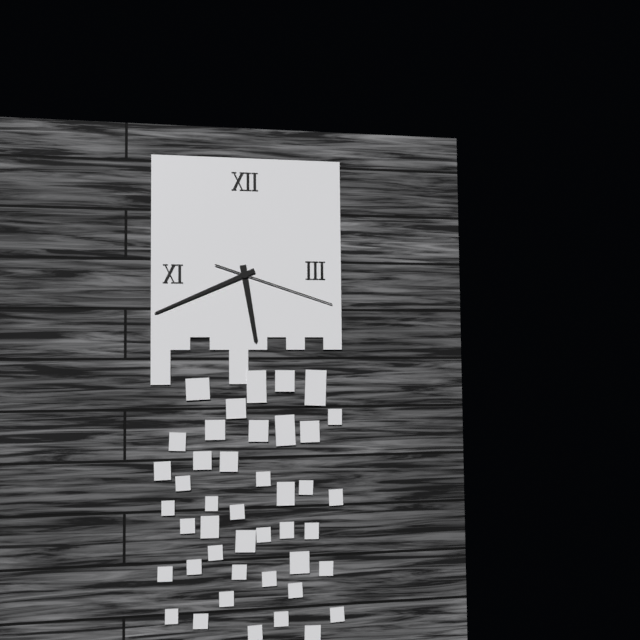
5:41:18
